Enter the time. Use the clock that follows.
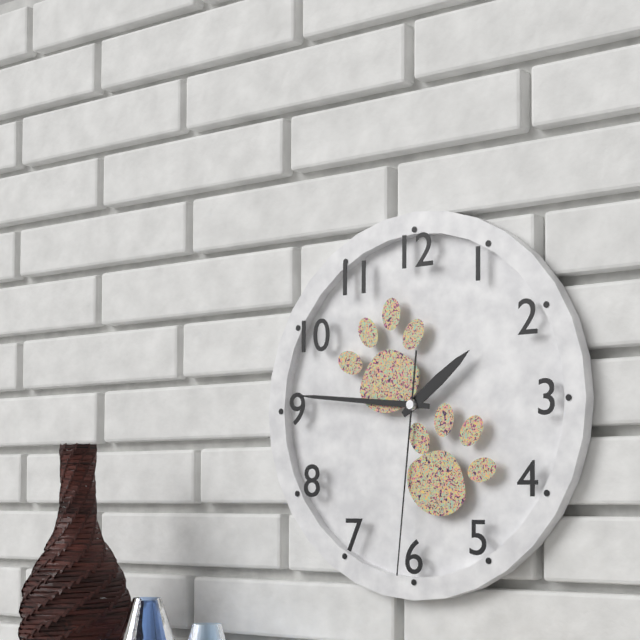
1:46:31
